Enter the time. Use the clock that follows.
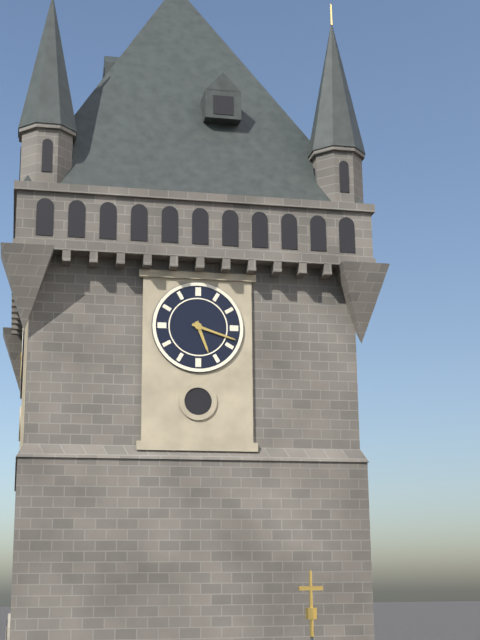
5:18
